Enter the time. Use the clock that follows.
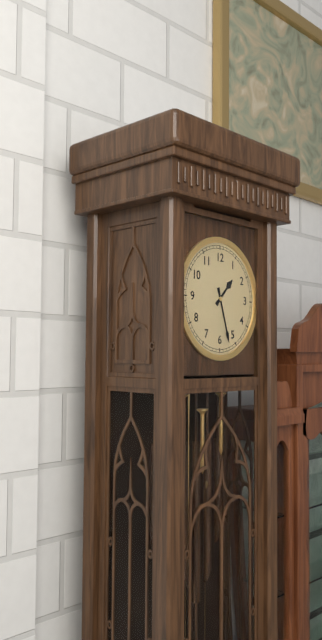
1:27
